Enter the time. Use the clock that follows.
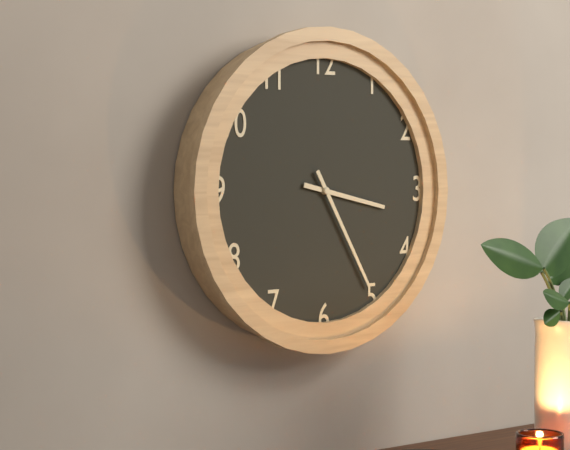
3:25
